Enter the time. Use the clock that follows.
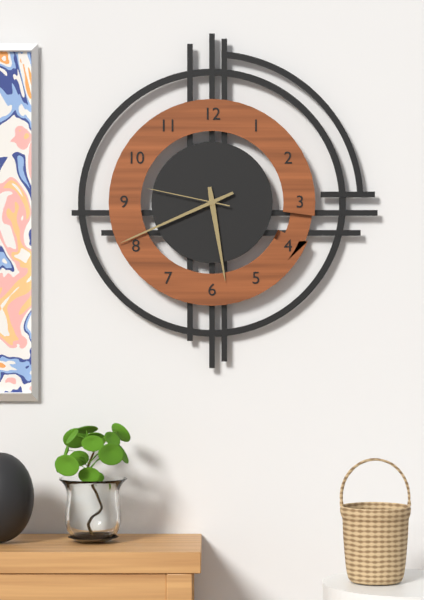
5:41:47
